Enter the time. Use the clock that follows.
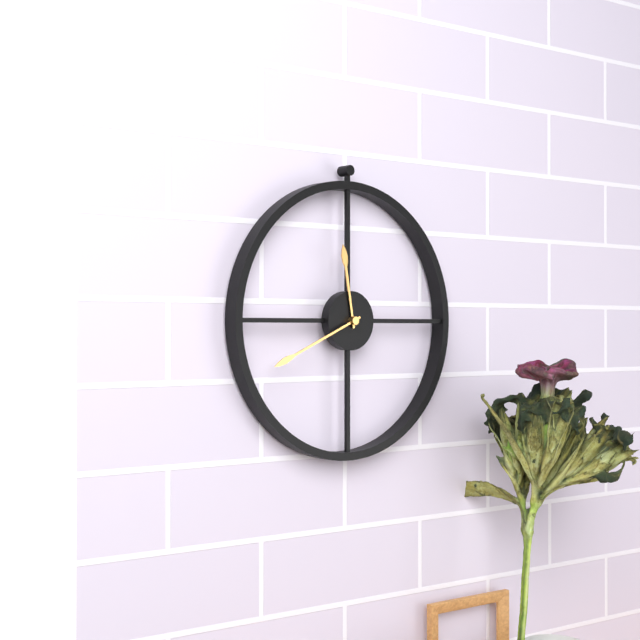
11:41
